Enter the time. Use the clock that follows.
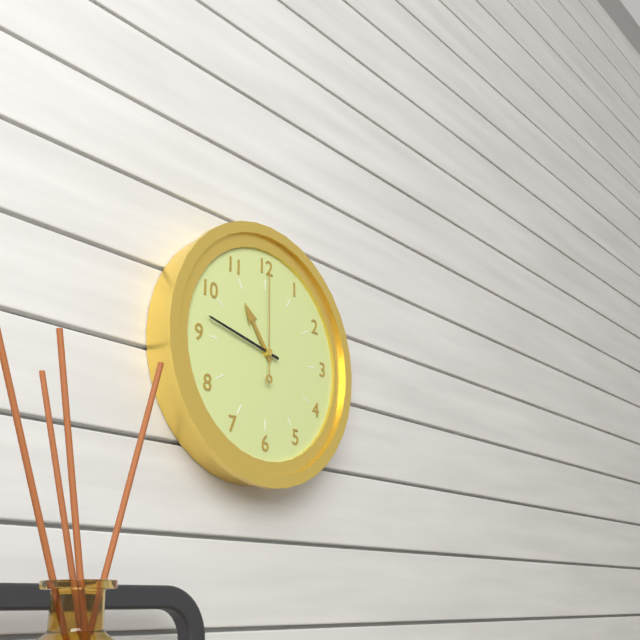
10:47:00
